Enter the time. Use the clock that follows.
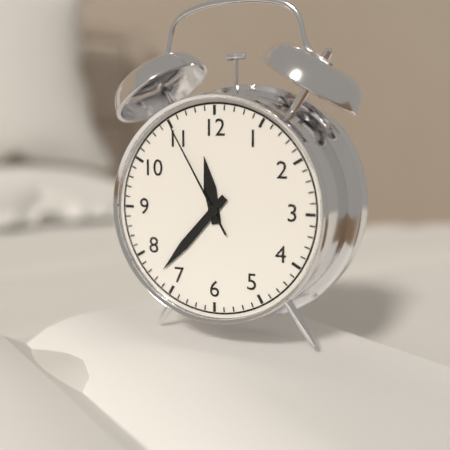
11:37:55
